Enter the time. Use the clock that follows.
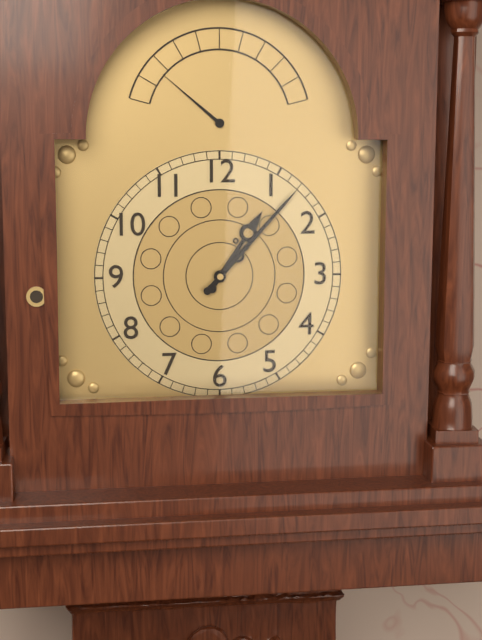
1:07
